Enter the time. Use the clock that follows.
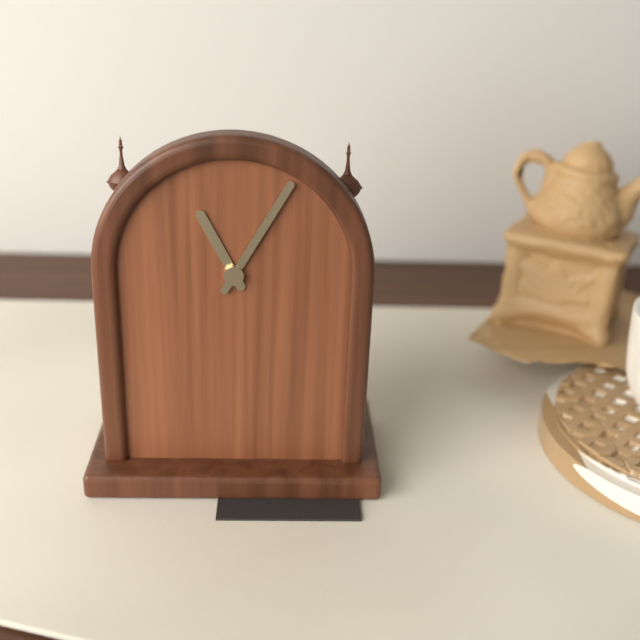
11:05
